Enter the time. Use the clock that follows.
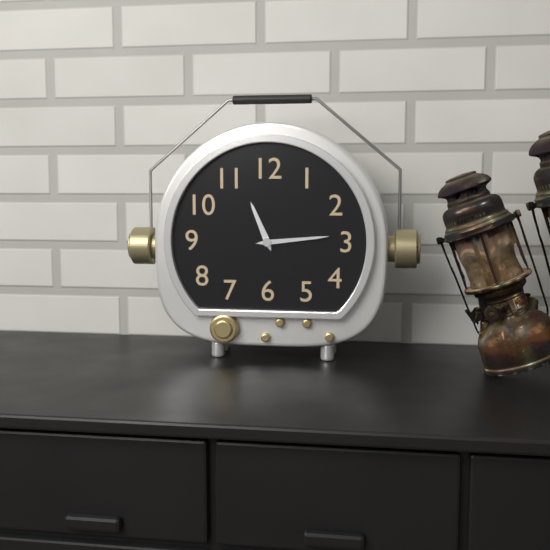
11:14
